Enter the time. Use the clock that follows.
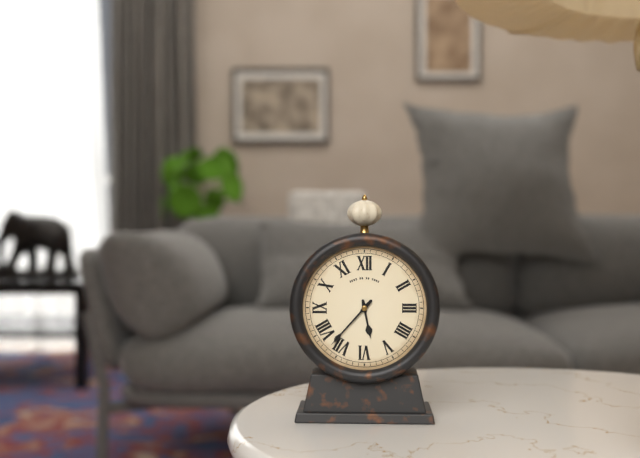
5:37
